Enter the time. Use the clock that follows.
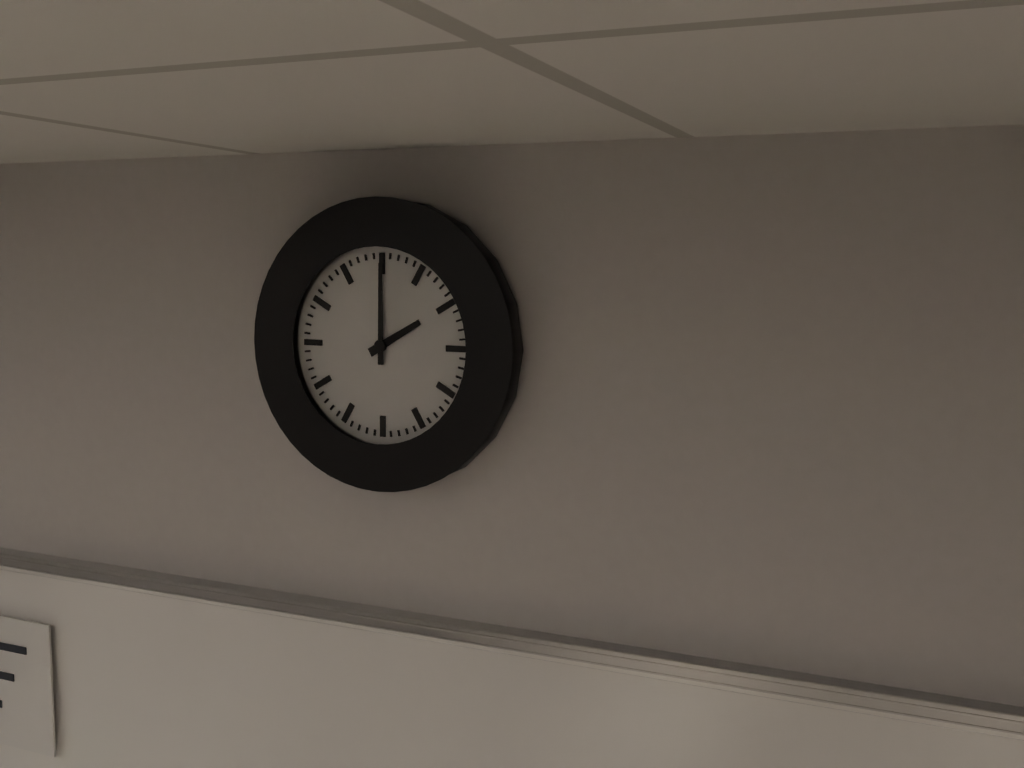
2:00
